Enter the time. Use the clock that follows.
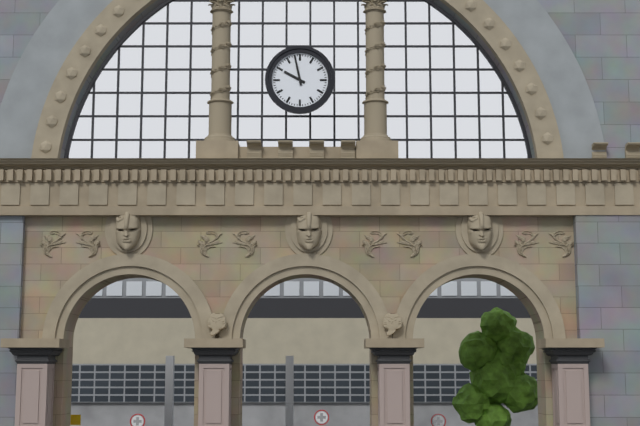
9:58
